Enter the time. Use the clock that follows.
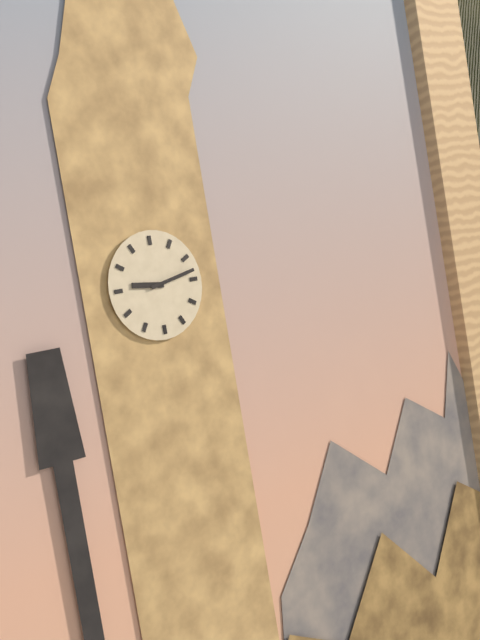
9:13
